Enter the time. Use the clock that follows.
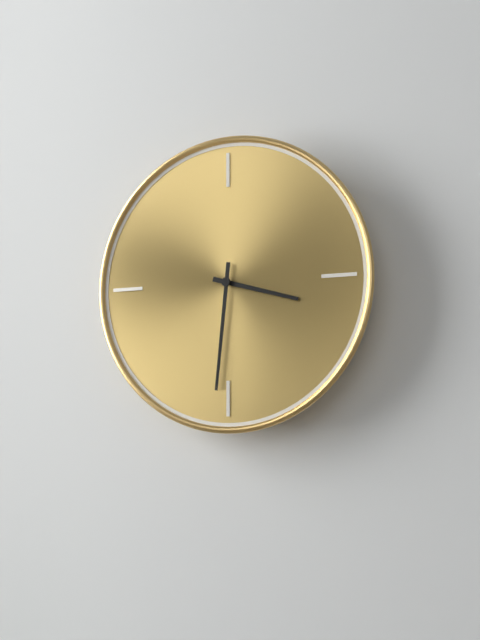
3:31
